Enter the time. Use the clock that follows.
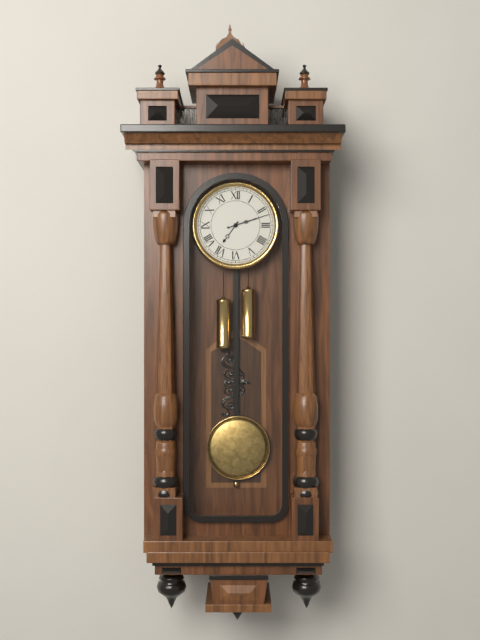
7:12
